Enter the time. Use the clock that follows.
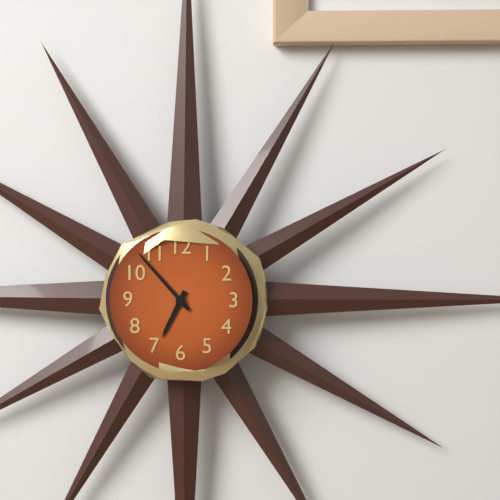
6:53
